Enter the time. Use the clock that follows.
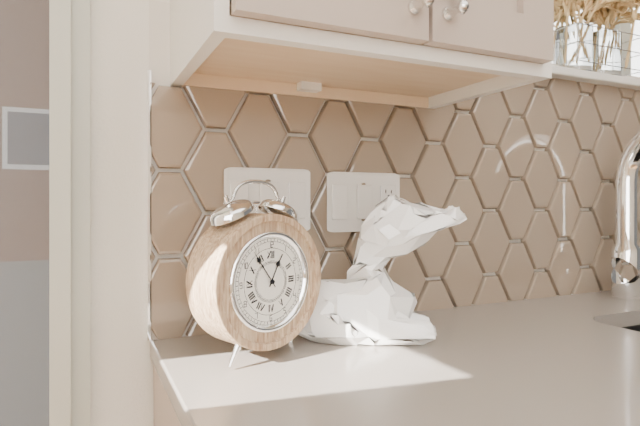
12:54
